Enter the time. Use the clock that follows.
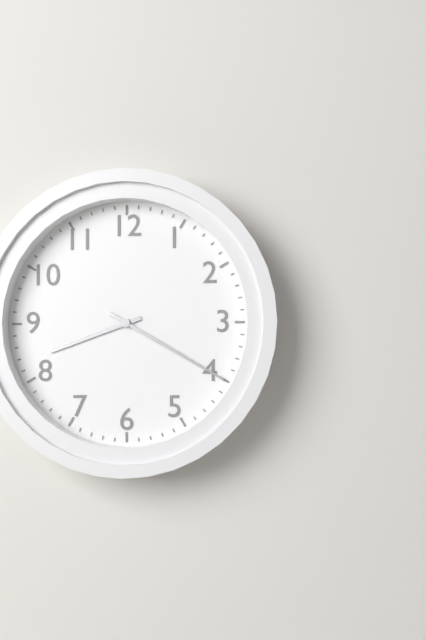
8:20
